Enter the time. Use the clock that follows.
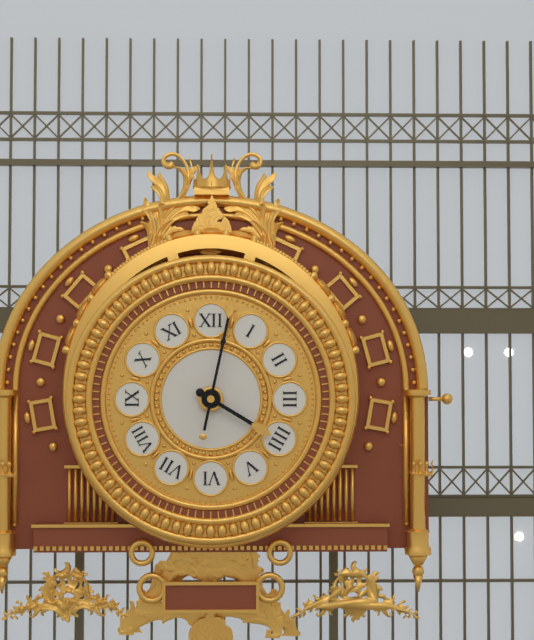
4:02
